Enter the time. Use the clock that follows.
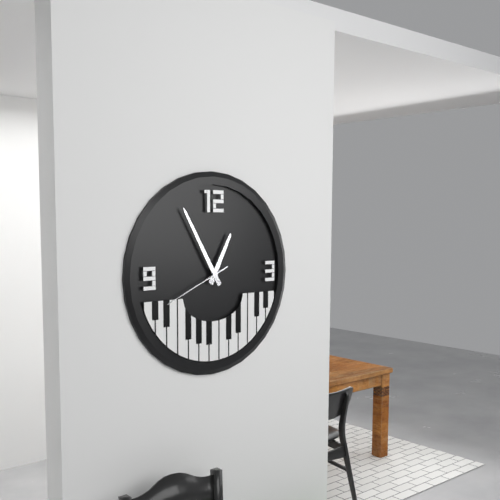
12:55:41
